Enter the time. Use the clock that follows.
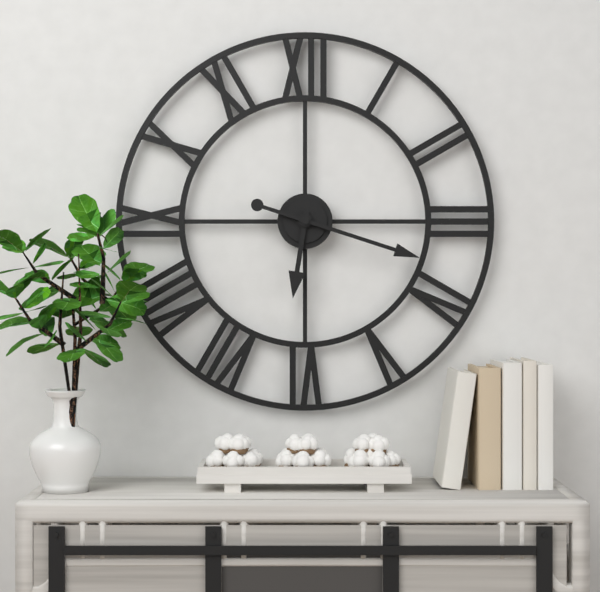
6:18
